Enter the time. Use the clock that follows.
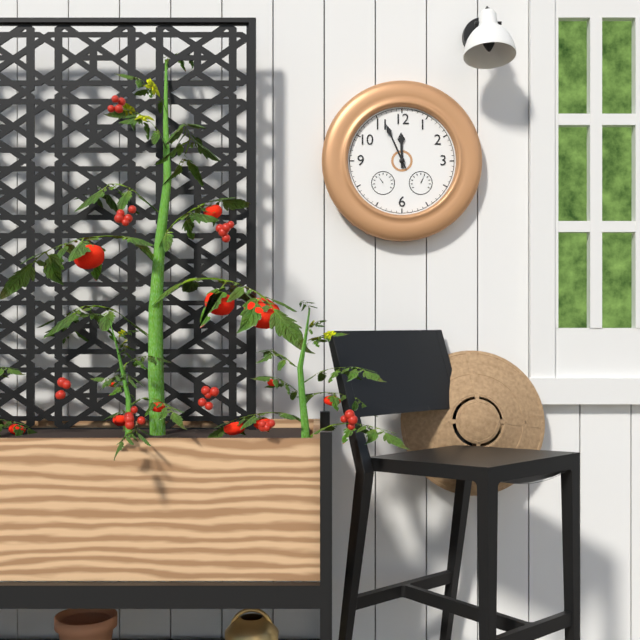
11:56
